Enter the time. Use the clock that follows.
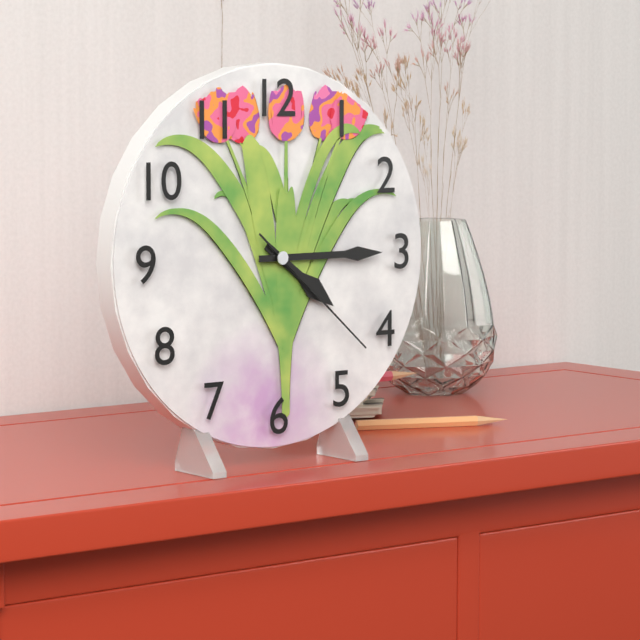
4:15:22
